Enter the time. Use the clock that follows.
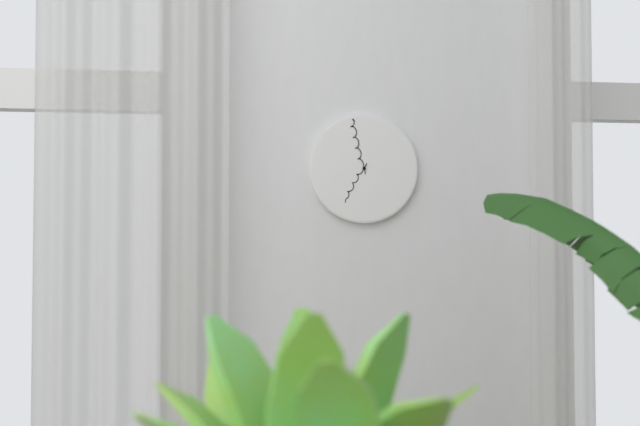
6:58
